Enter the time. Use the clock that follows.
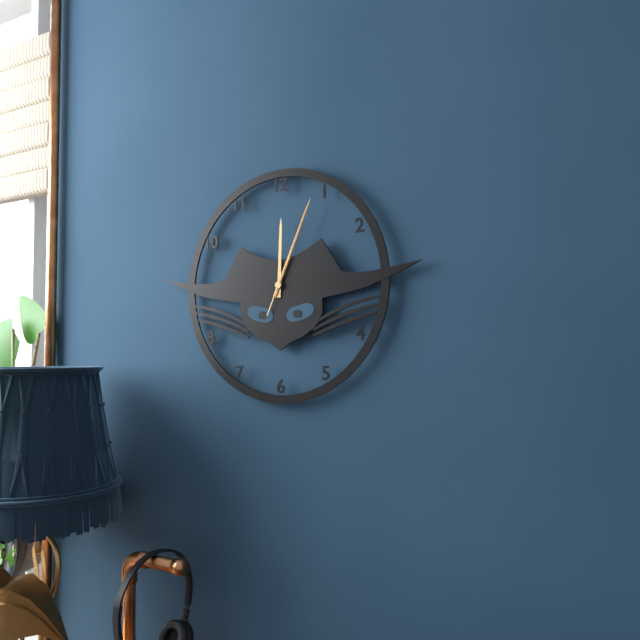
12:04:04
